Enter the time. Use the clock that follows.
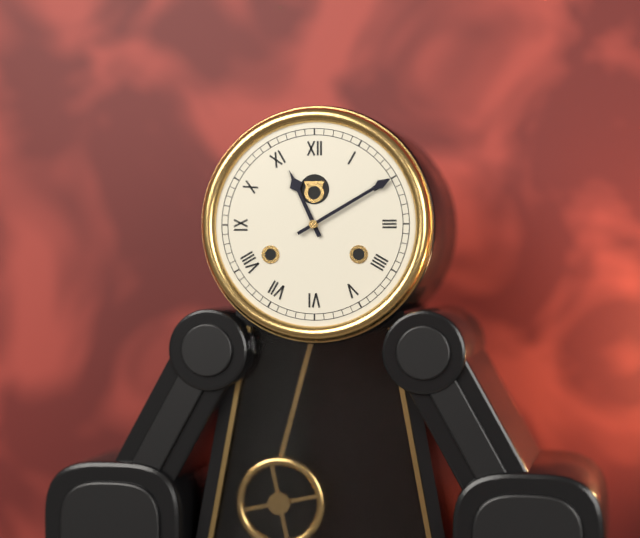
11:10
